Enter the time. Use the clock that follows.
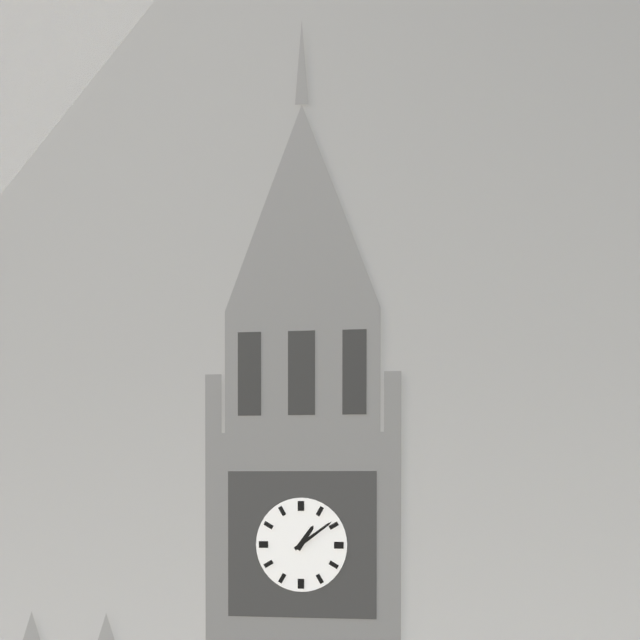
1:09
